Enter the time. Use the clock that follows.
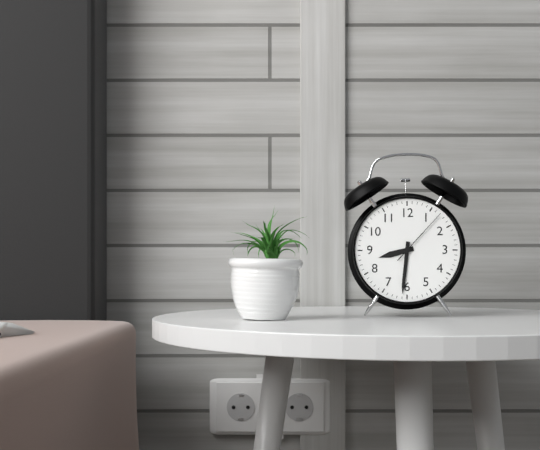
8:31:07
